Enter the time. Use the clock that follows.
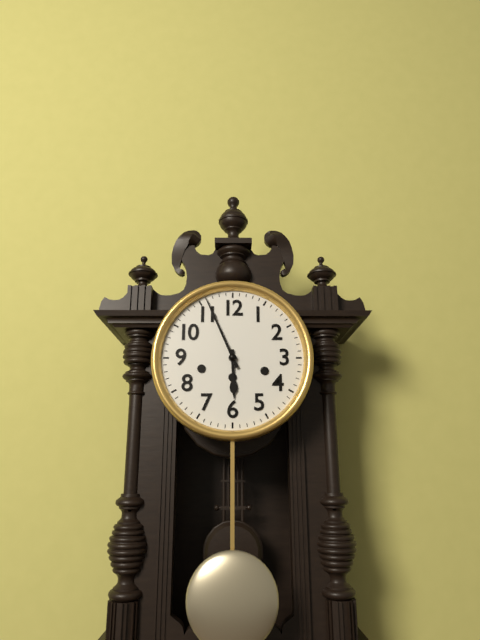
5:56
